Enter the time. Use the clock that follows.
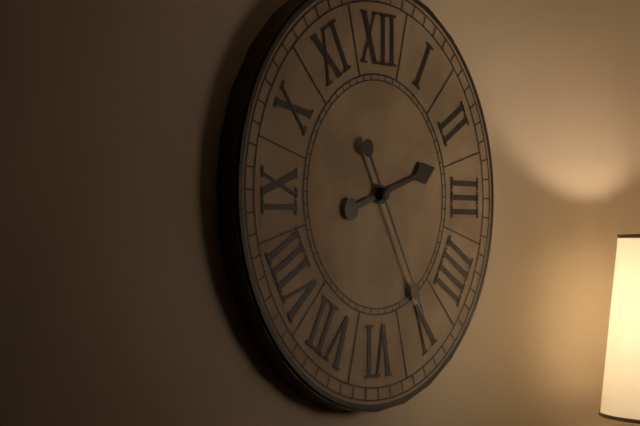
2:25
